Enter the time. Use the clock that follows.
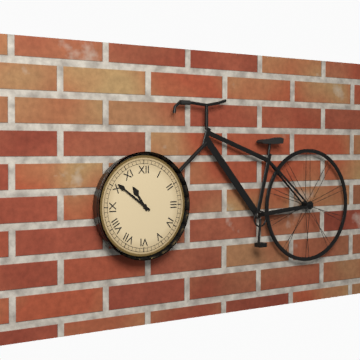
10:51
